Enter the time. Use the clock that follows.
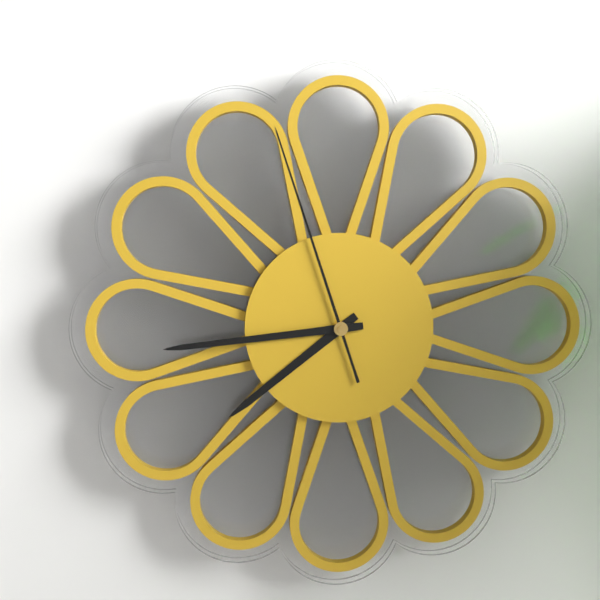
7:44:57
